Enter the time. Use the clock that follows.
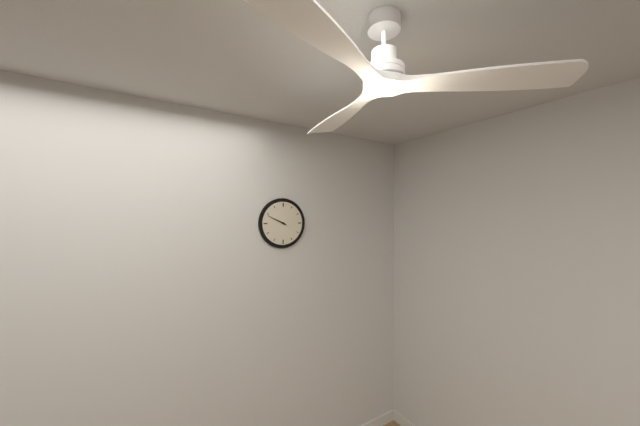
9:49
